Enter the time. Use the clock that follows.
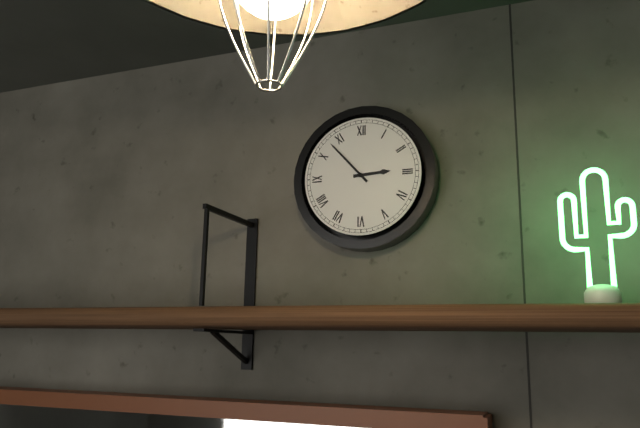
2:53
